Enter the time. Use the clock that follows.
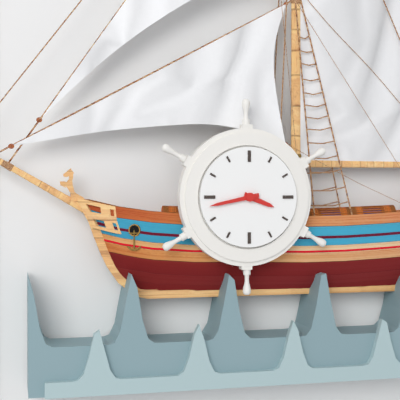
3:43
